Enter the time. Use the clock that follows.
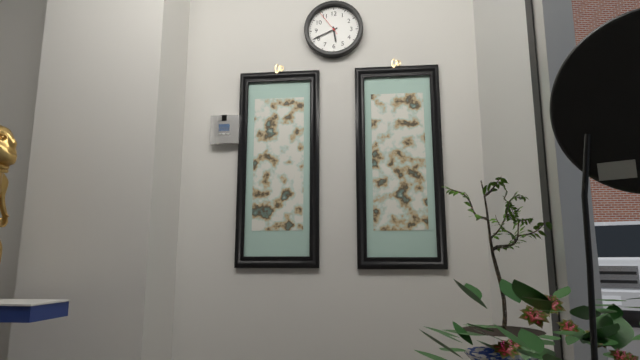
5:41
